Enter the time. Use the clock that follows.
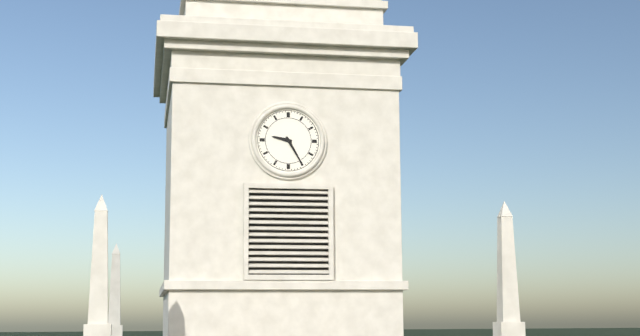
9:25
